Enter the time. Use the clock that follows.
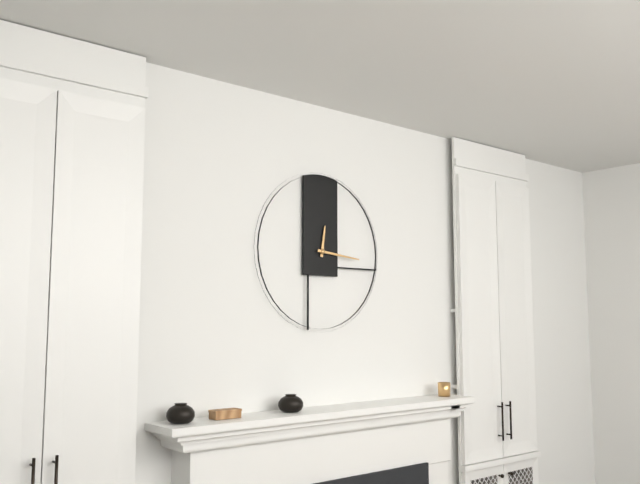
12:16
